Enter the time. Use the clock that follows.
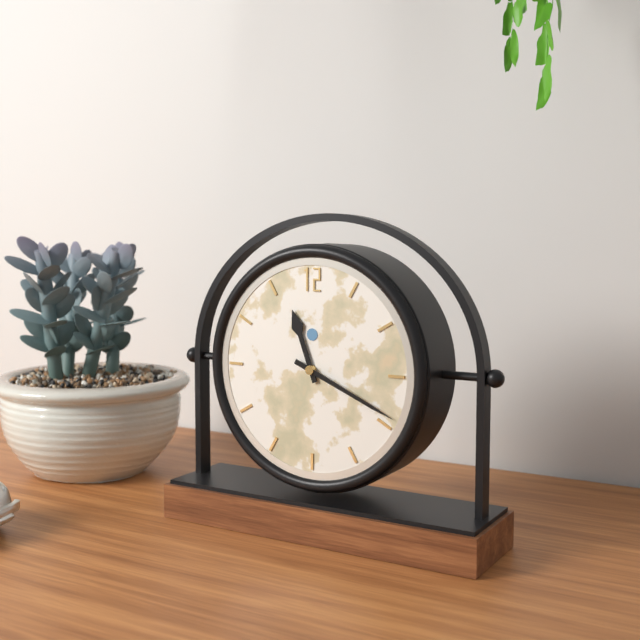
11:19
